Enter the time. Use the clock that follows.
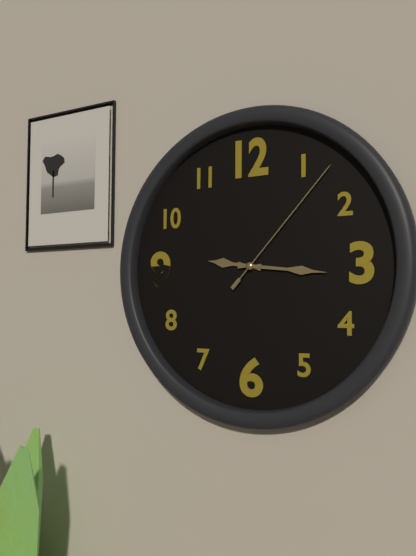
9:16:07
